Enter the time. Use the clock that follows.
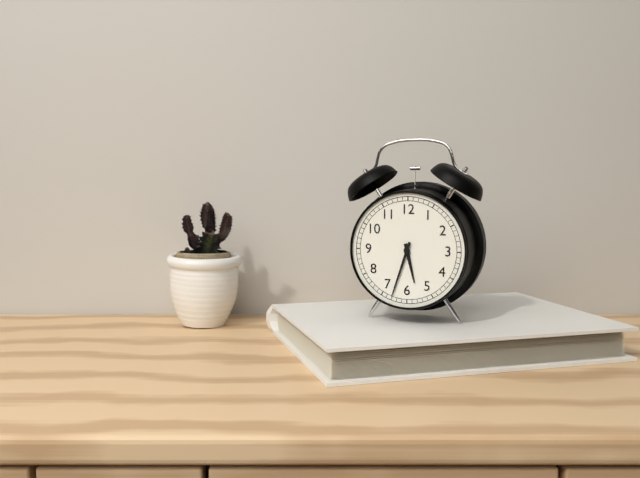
5:33
